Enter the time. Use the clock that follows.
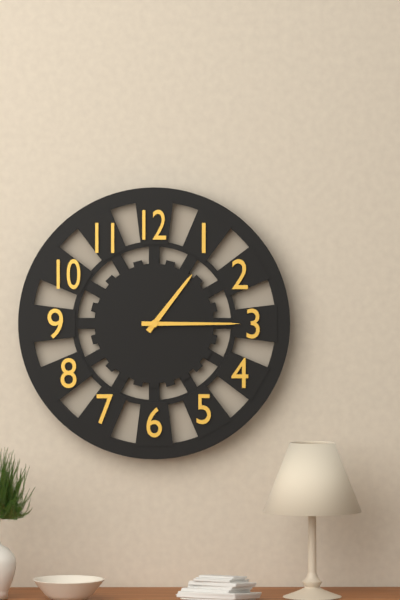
1:15
